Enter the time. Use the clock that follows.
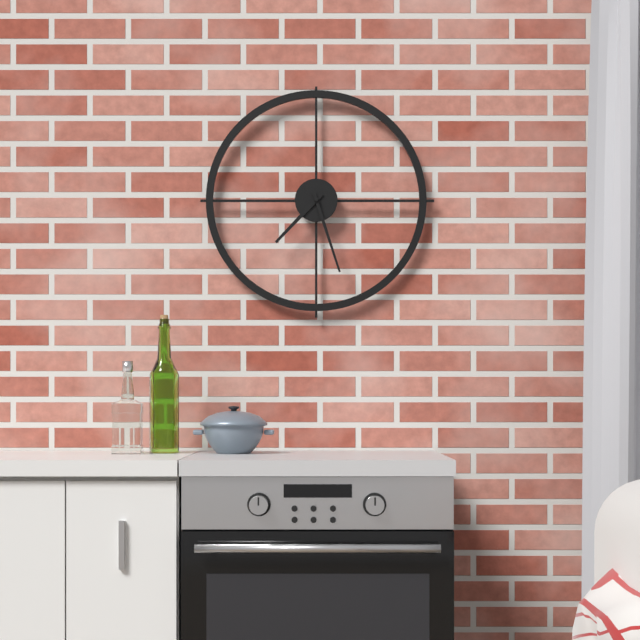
7:27
